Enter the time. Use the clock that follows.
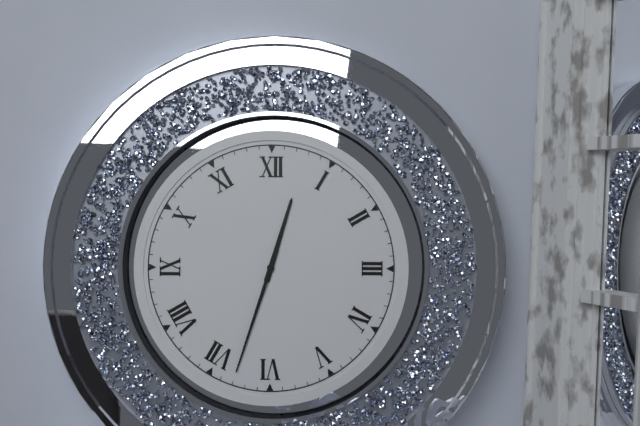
12:33
